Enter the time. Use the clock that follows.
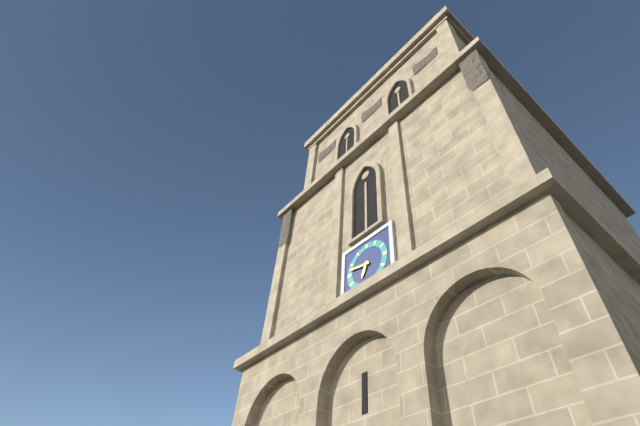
6:47
